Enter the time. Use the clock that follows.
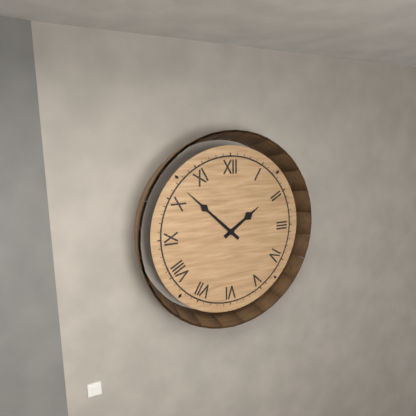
1:52
